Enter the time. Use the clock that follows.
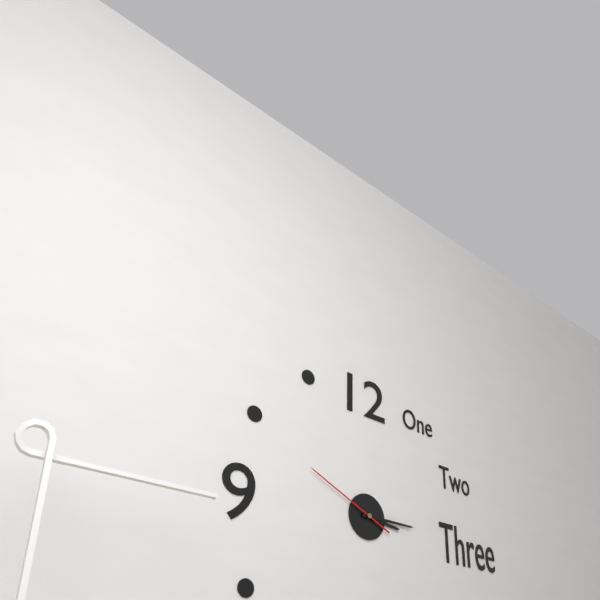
3:15:49
